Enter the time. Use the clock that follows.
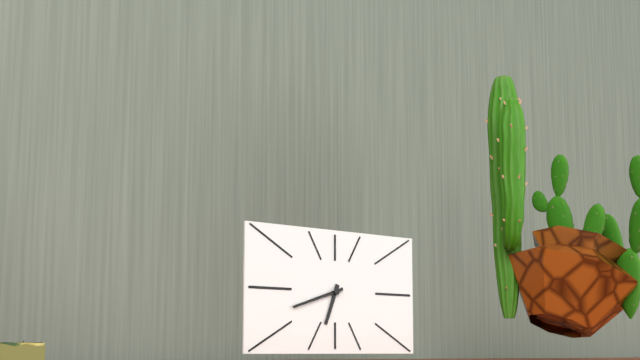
6:42
